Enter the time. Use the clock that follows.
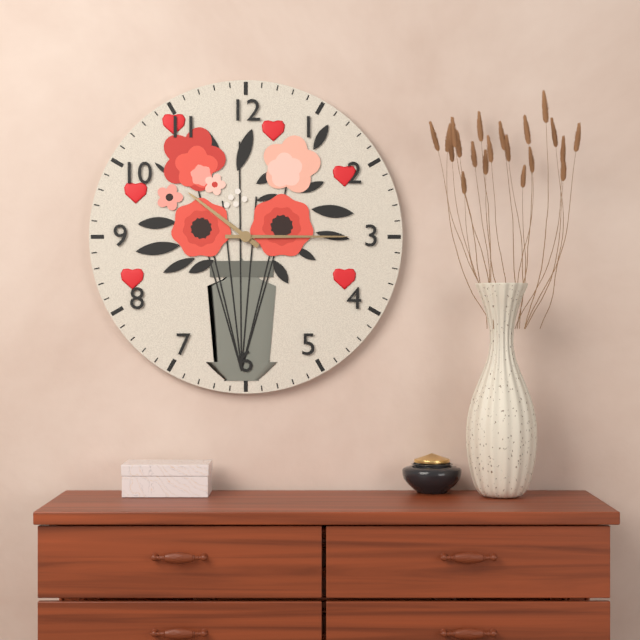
10:15
